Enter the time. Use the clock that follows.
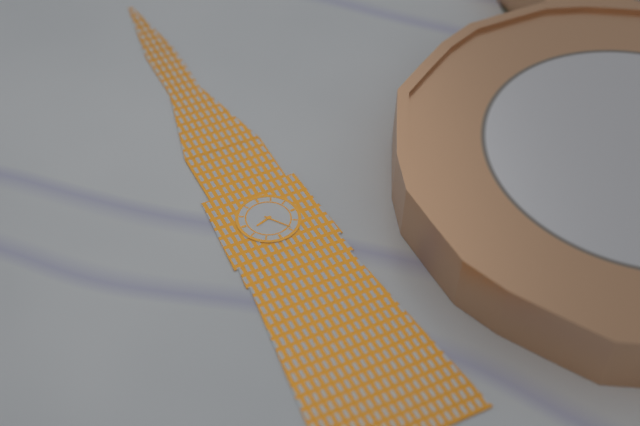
8:24
